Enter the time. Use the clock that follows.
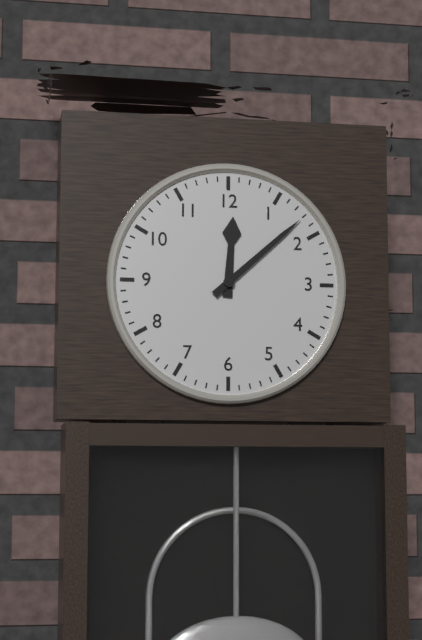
12:08
